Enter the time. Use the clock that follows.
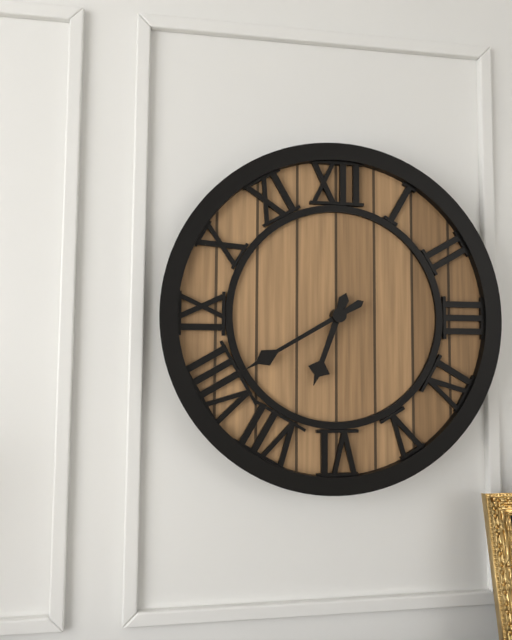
6:40
